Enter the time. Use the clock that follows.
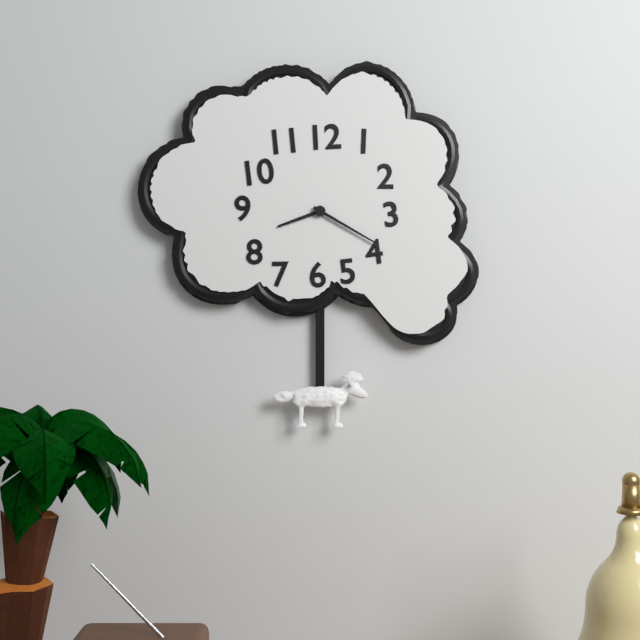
8:20
